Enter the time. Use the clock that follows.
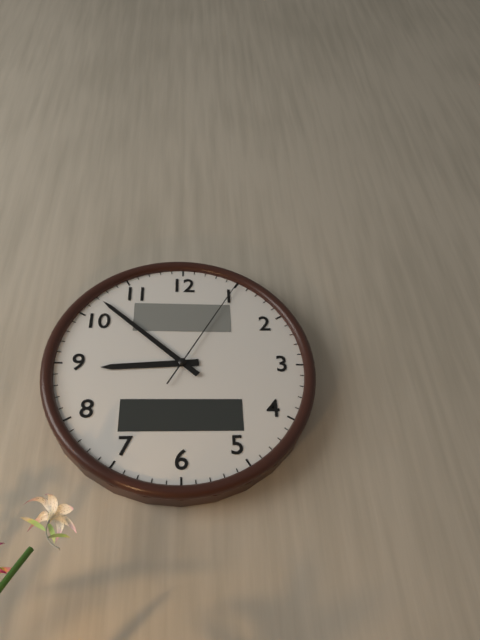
8:52:05
